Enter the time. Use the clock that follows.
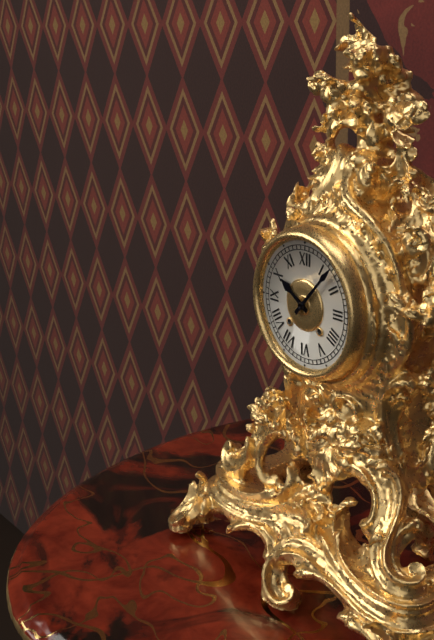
10:07
